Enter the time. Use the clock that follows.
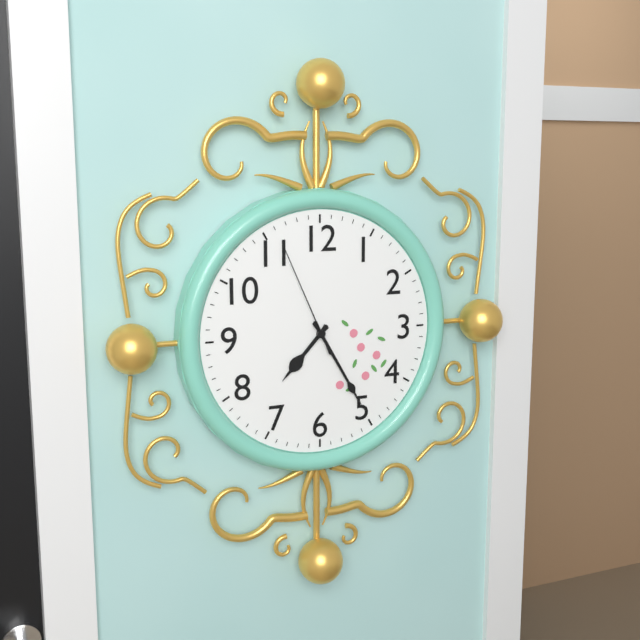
7:25:56
